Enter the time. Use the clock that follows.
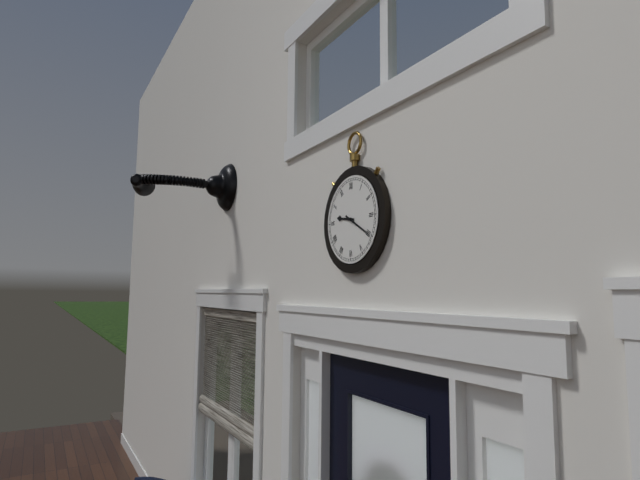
9:20
